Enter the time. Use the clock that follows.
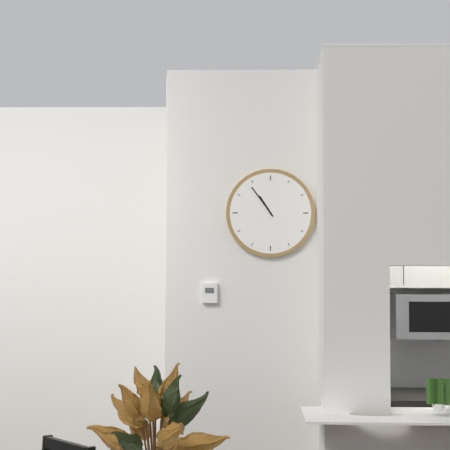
10:54
